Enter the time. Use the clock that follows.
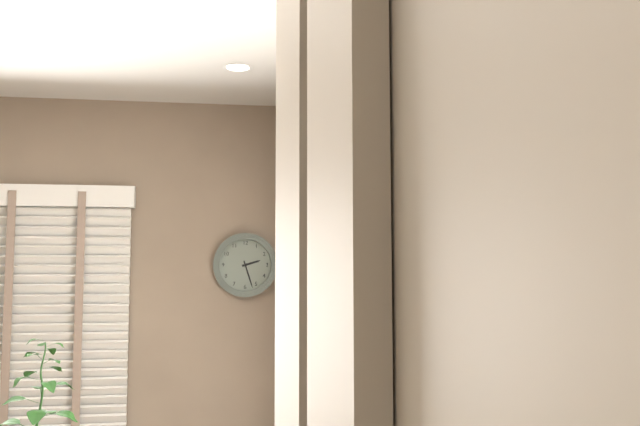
2:27
